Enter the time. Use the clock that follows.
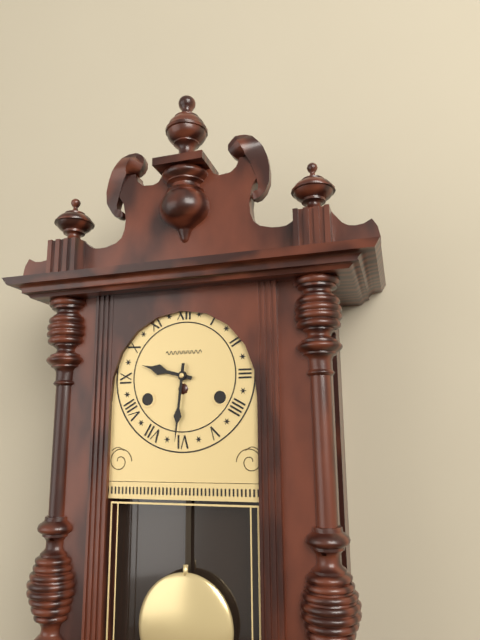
9:31
